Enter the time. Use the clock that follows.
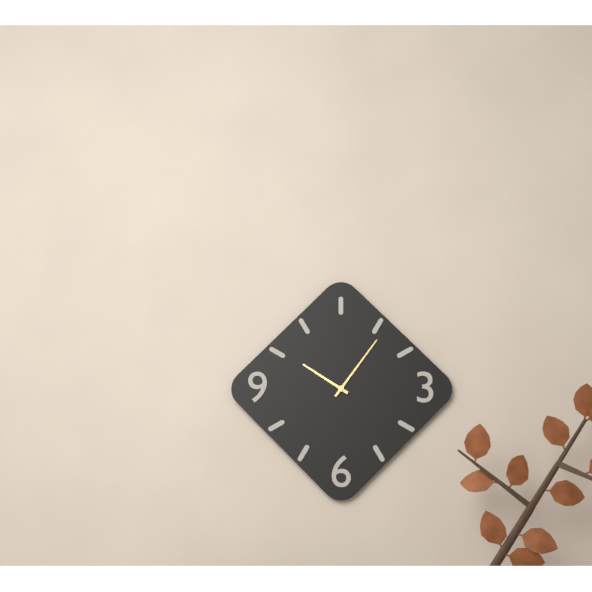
10:06
